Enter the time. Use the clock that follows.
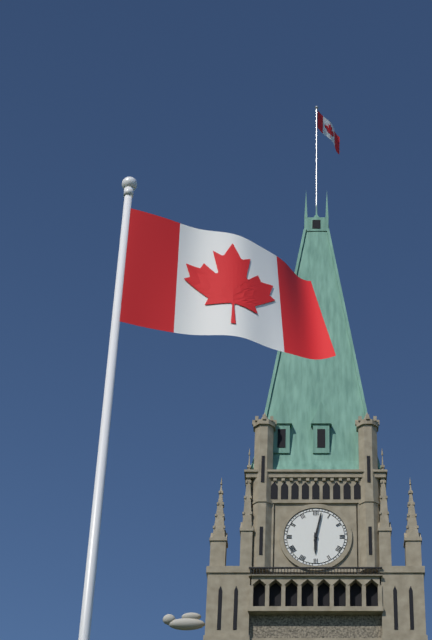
6:02
